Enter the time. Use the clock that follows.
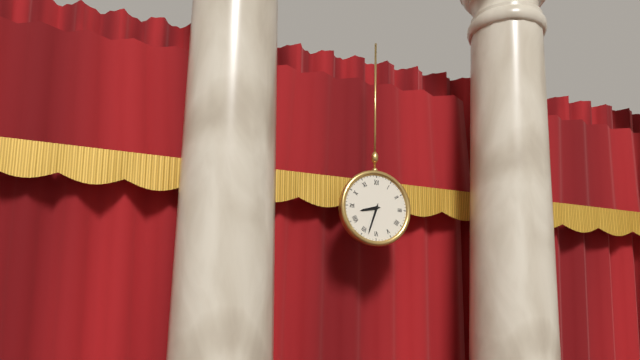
8:33
